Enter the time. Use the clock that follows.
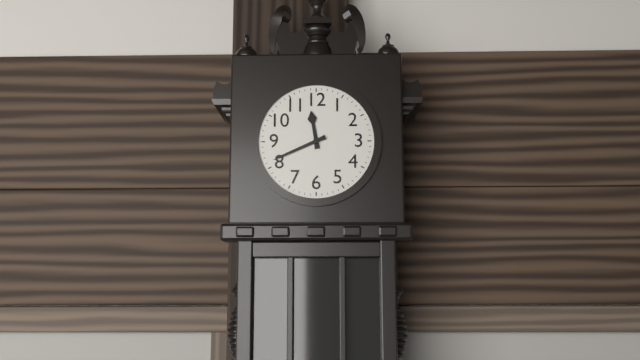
11:41
